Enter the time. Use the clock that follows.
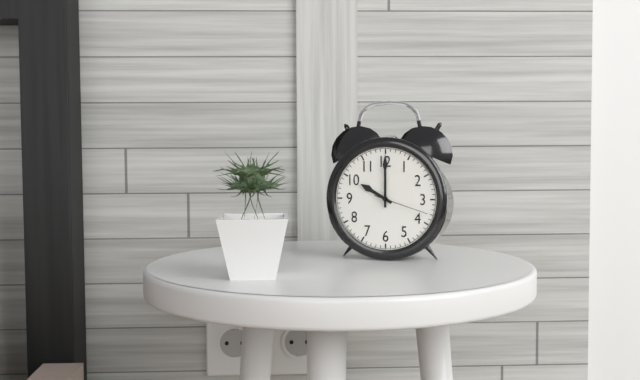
10:00:18
